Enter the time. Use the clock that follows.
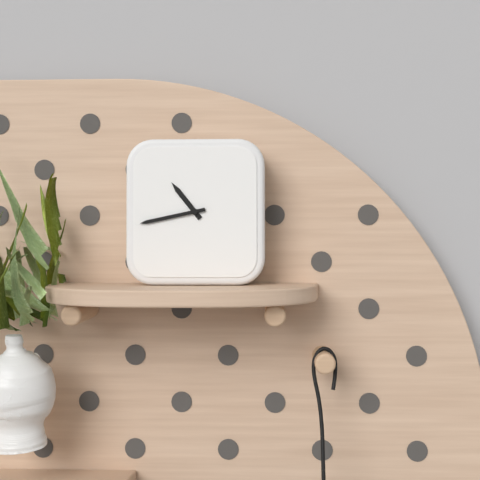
10:43
